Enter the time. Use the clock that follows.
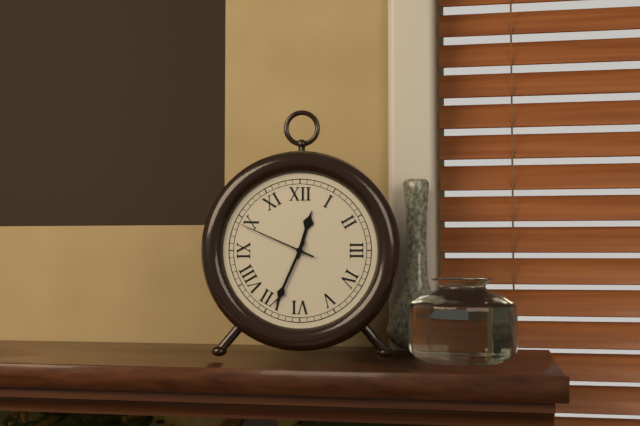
12:34:49
